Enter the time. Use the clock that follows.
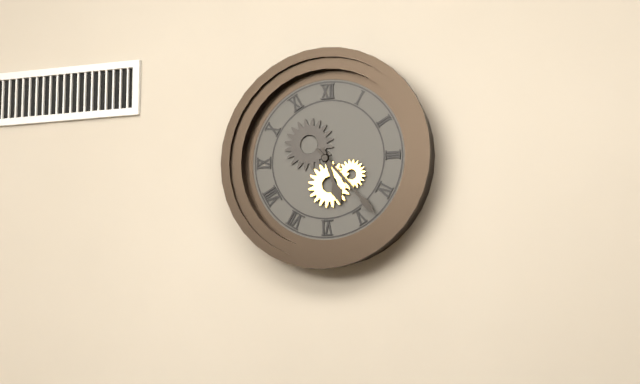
5:23
